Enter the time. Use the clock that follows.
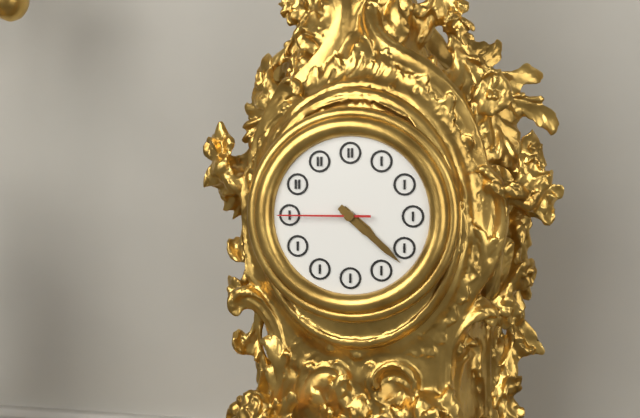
4:22:45
